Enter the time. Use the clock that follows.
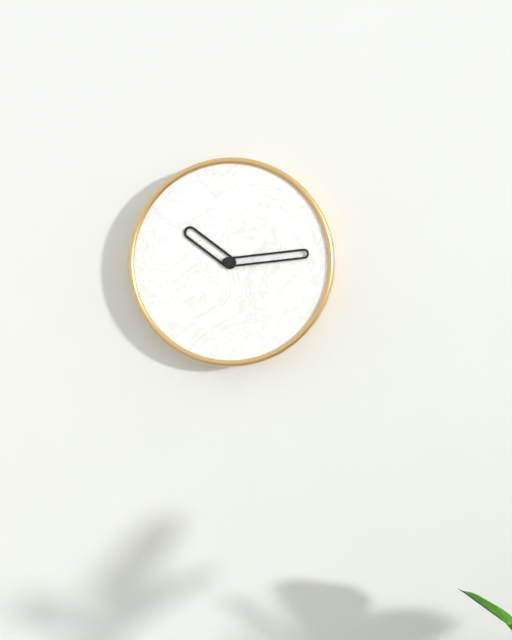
10:14
